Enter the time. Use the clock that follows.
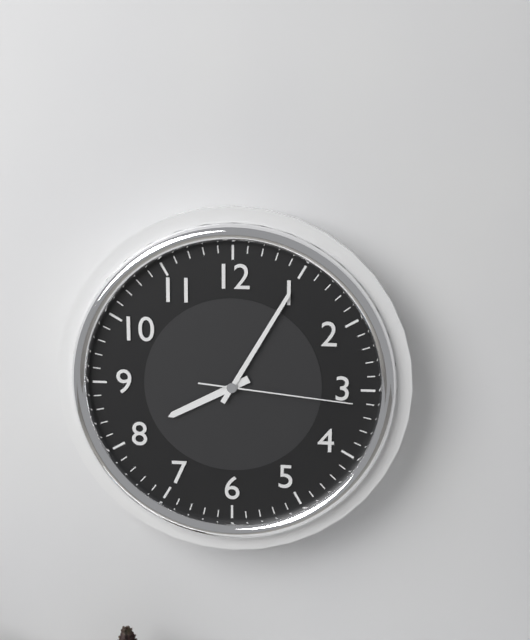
8:05:16
